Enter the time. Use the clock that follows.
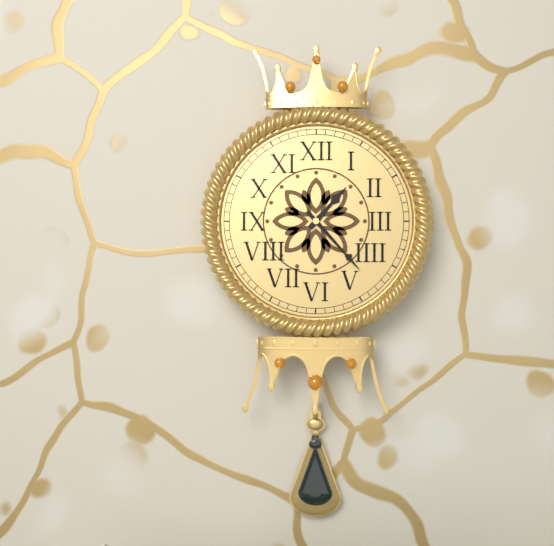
1:23
